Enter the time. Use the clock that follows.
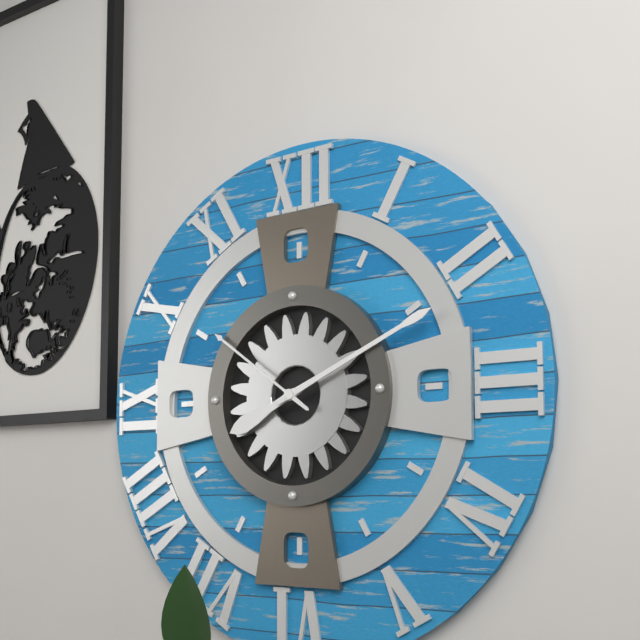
8:11:51
